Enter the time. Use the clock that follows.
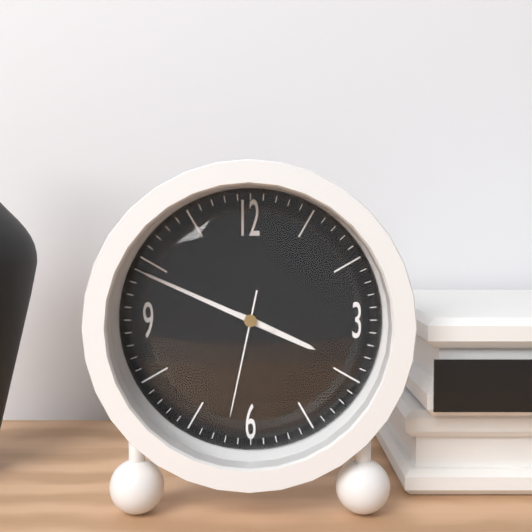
3:49:32
